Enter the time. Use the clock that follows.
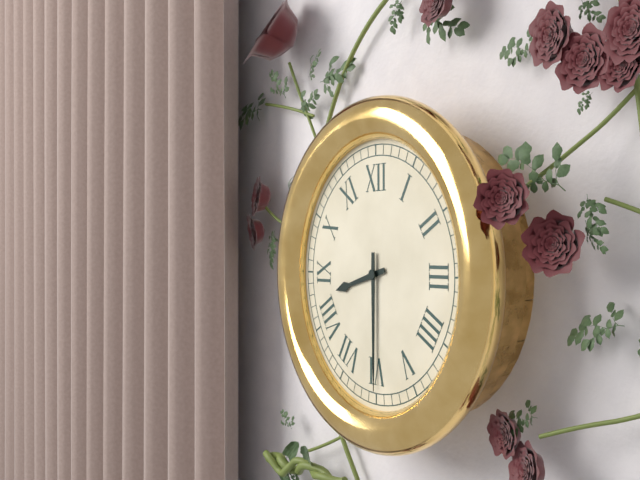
8:30
